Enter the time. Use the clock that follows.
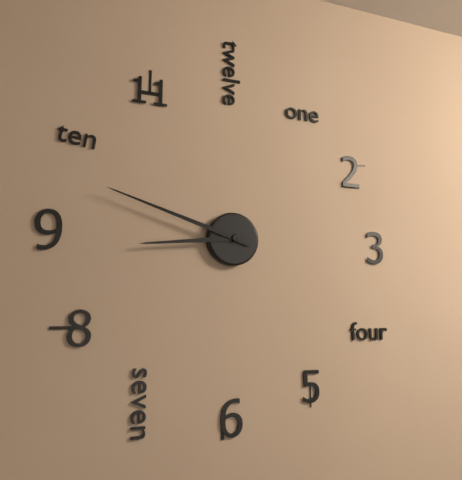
8:48
